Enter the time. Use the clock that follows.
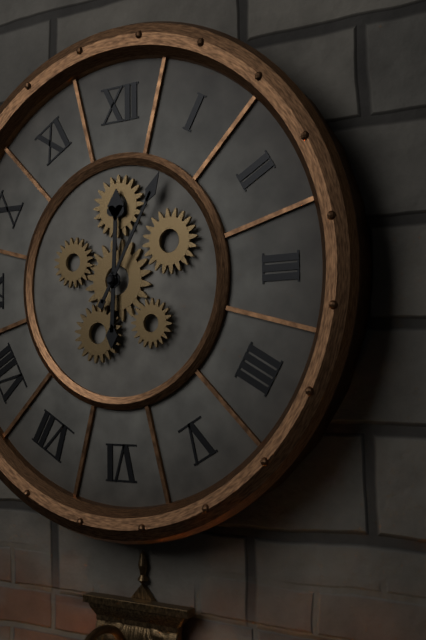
12:05
